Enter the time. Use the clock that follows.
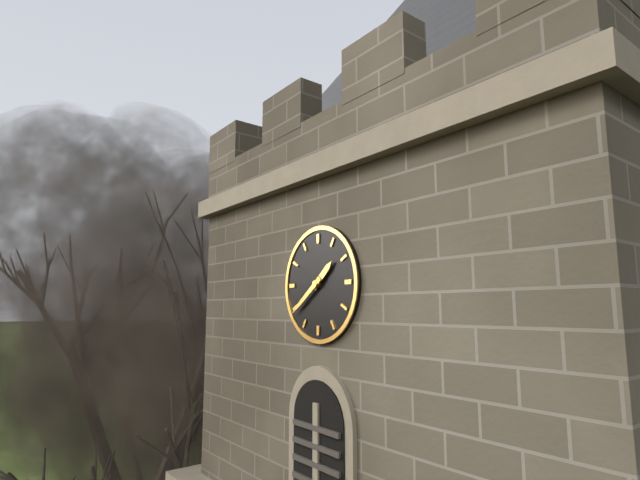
1:39
